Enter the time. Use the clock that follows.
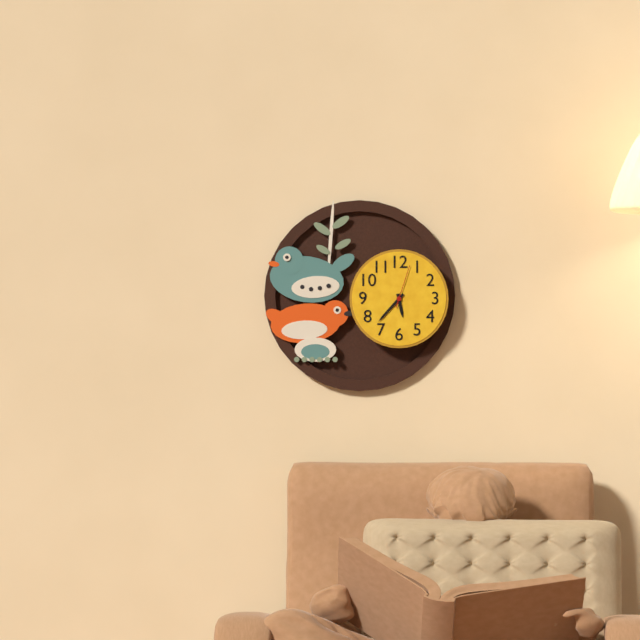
5:37
